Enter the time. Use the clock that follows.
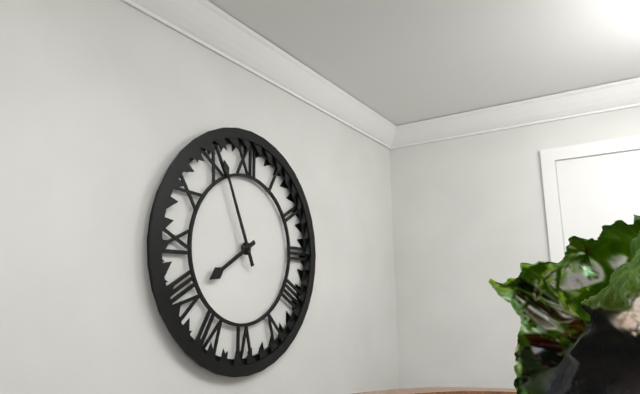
7:56
